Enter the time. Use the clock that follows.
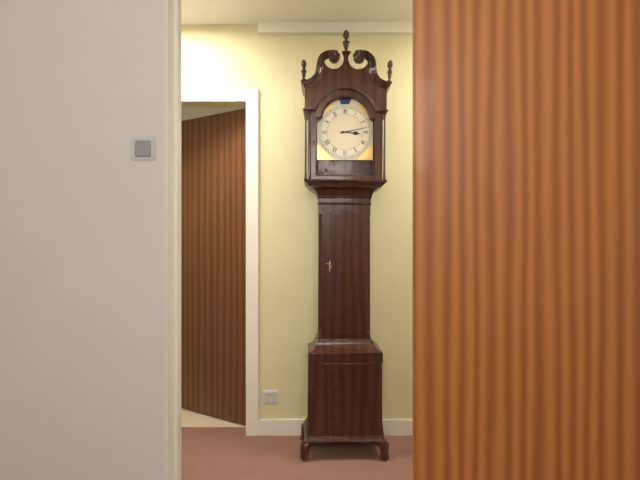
3:13
